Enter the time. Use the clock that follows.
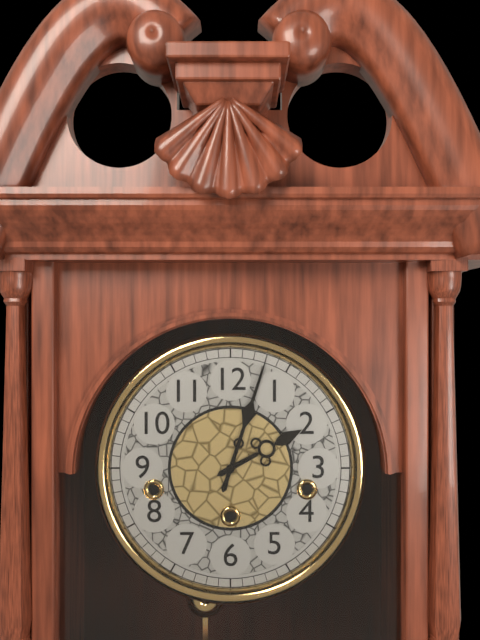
2:03
